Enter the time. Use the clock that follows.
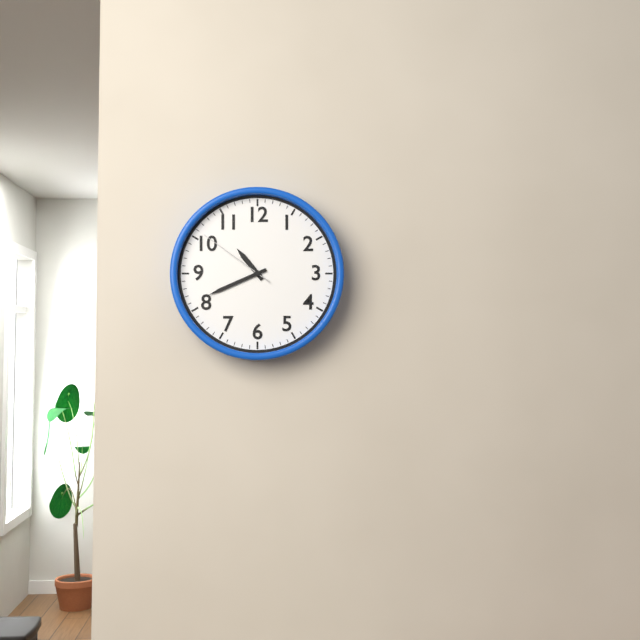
10:41:51
